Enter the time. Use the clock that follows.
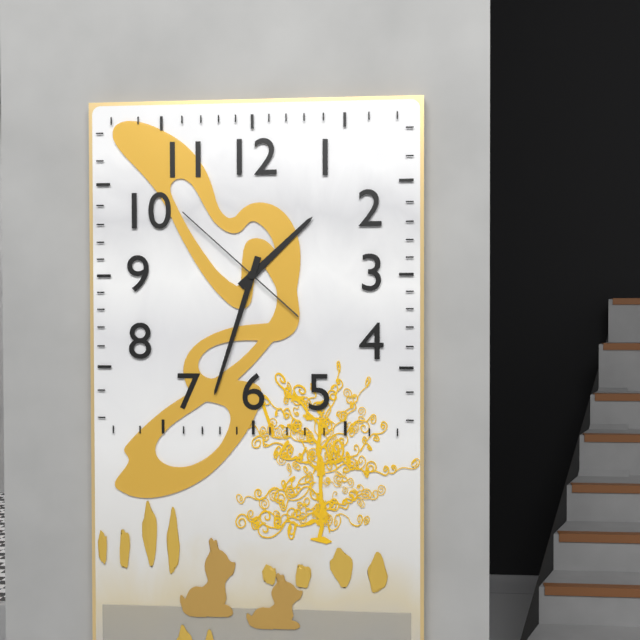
1:33:52
